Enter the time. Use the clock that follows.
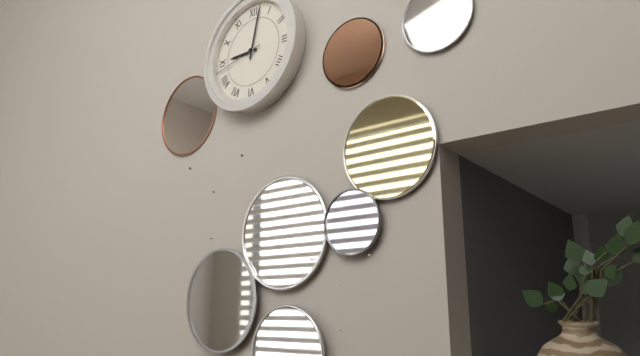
9:02:43
